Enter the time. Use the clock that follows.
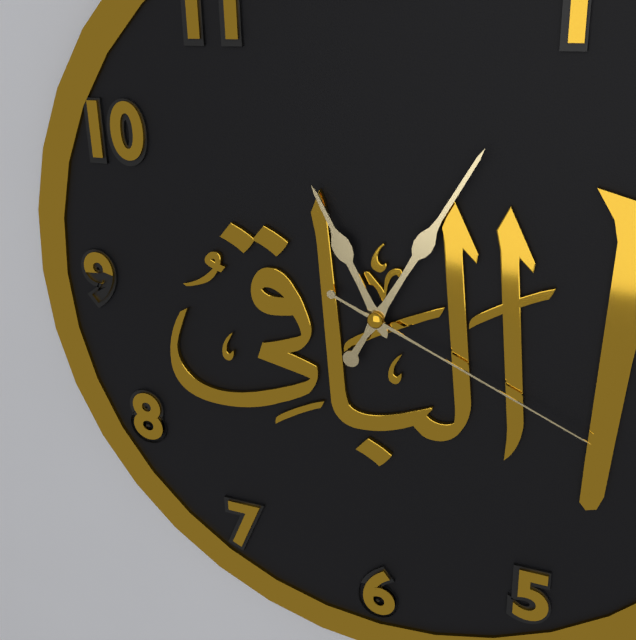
11:05:19
